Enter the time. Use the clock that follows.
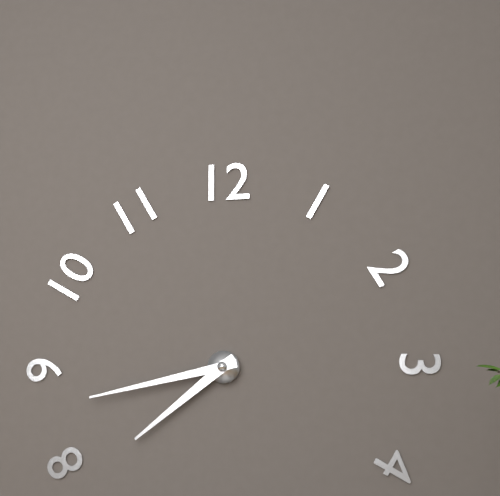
7:43
